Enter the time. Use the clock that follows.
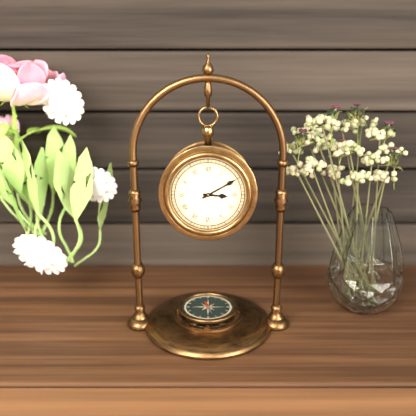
3:10
